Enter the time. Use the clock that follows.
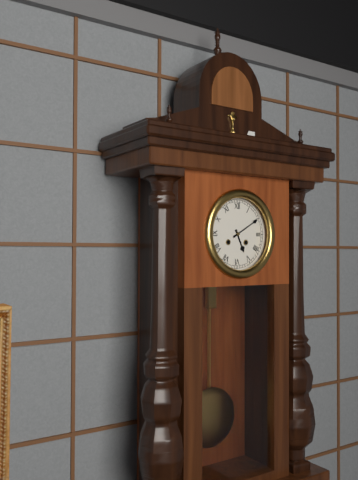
5:10
